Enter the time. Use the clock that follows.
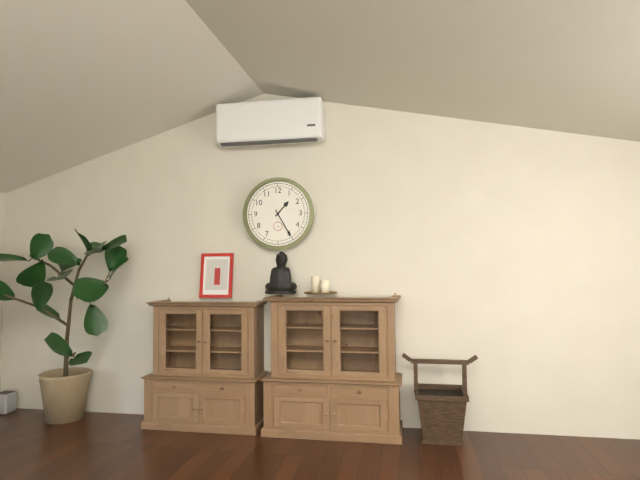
1:25
